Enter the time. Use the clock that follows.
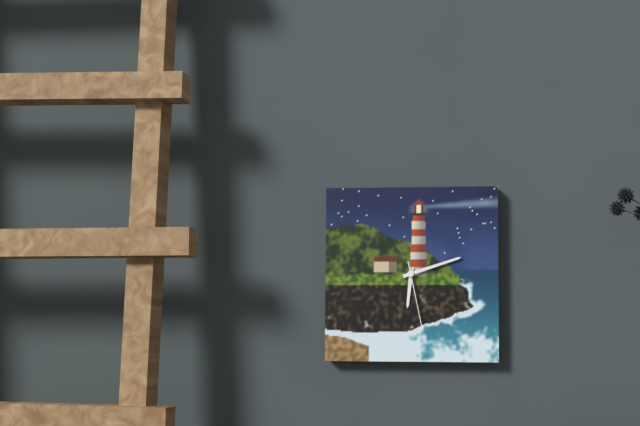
6:12:28
